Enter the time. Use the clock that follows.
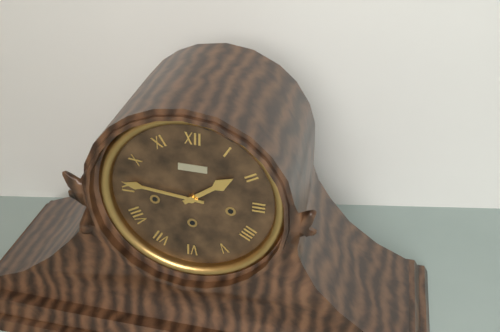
1:46
